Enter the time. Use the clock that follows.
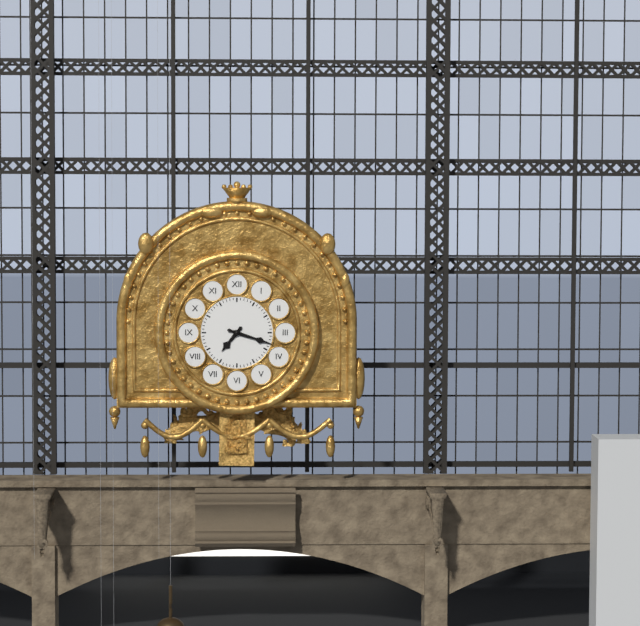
7:18
